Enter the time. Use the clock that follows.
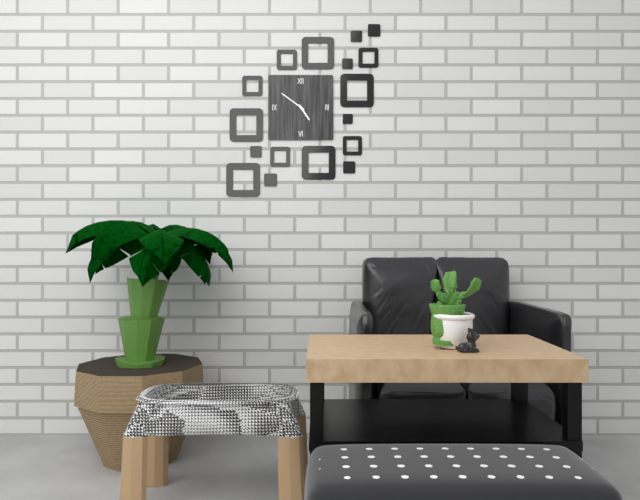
4:51
